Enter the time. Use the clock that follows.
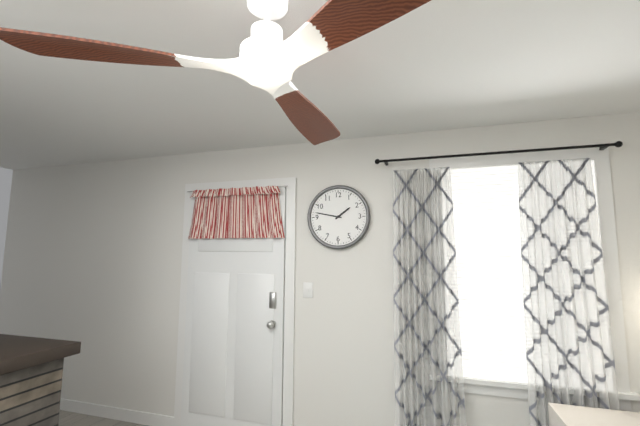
1:47
